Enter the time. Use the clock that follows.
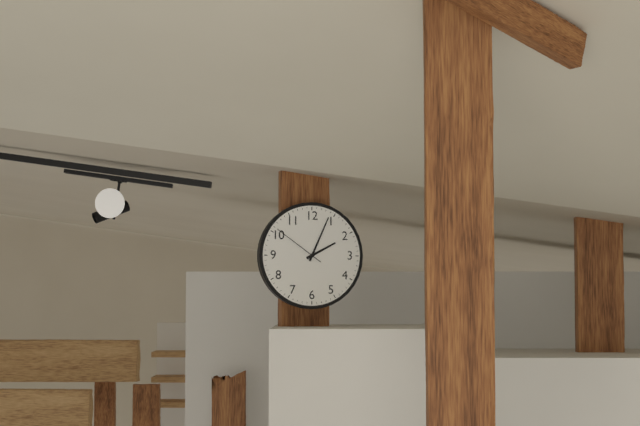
2:04:51
